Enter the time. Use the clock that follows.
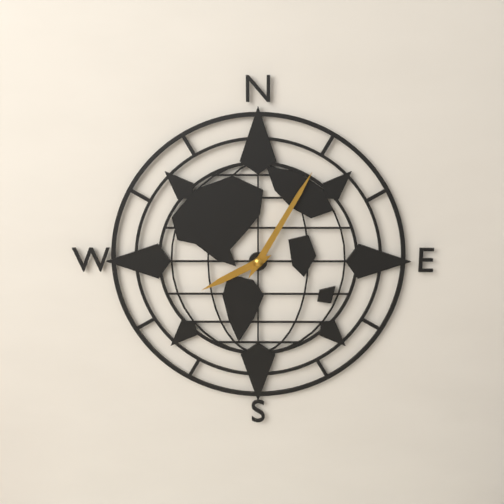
8:05
